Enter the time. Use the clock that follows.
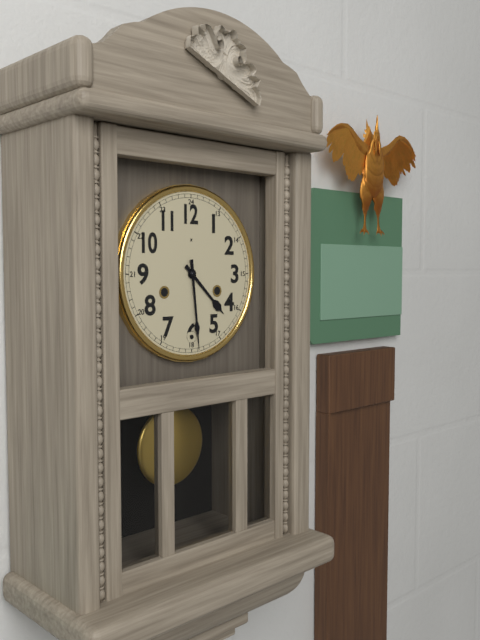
4:29
